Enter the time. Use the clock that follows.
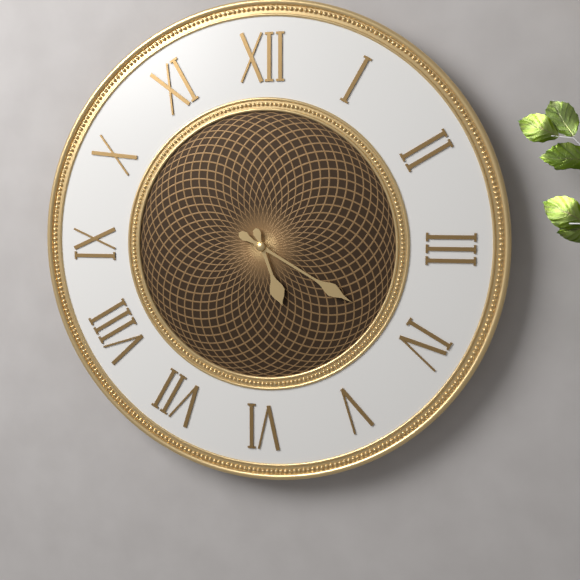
5:20
